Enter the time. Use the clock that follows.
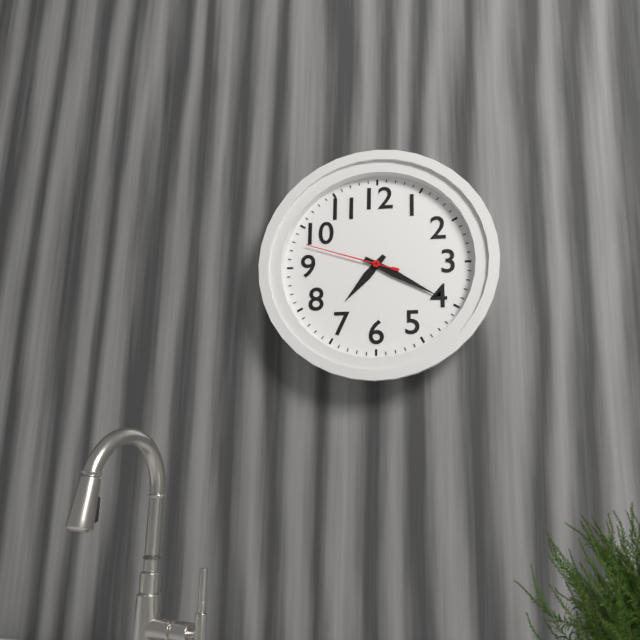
7:20:48
